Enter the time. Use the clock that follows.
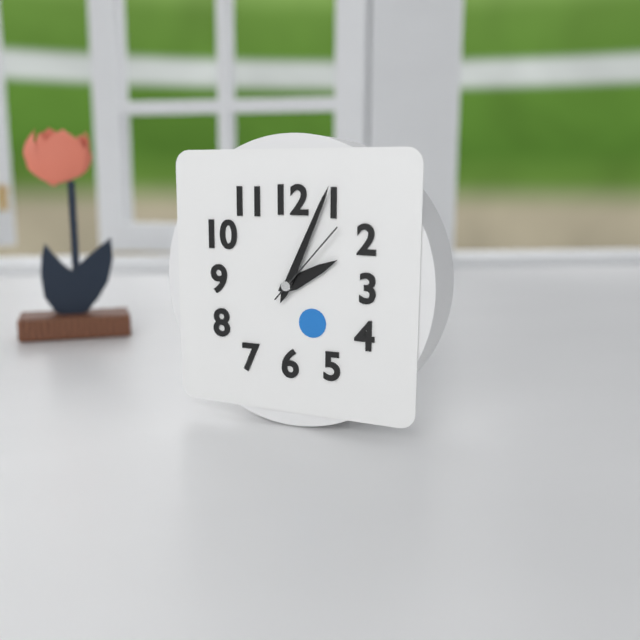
2:04:07
